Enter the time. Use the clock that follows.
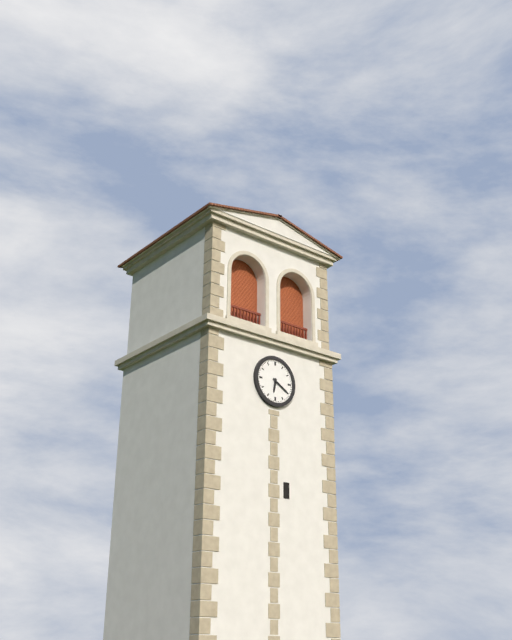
6:20
